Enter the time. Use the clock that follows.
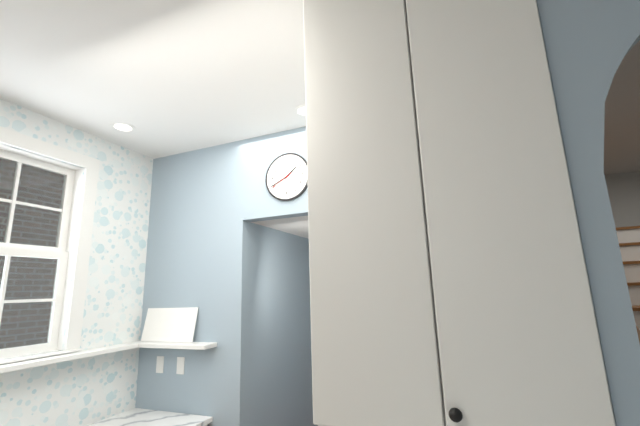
1:41
